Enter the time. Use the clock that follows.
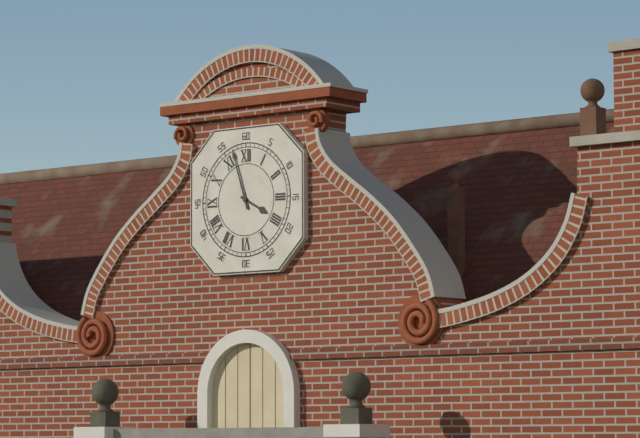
3:57
